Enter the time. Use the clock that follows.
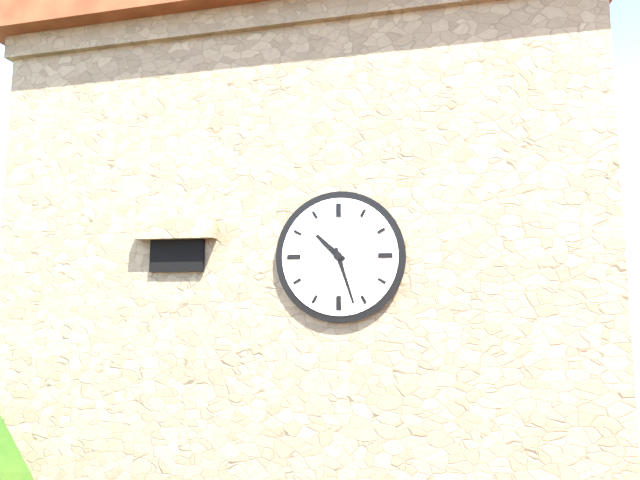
10:27
